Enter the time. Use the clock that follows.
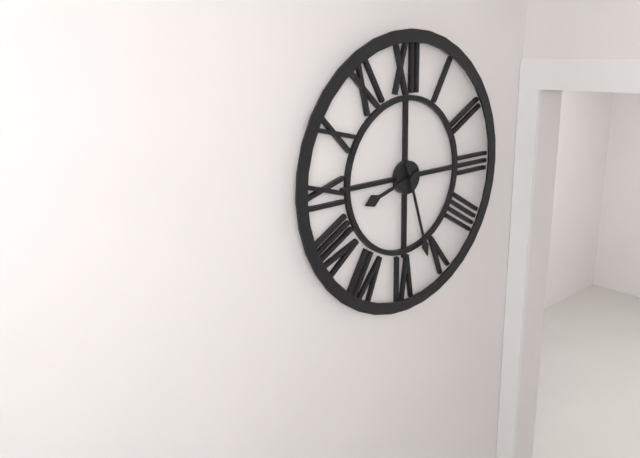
8:27
